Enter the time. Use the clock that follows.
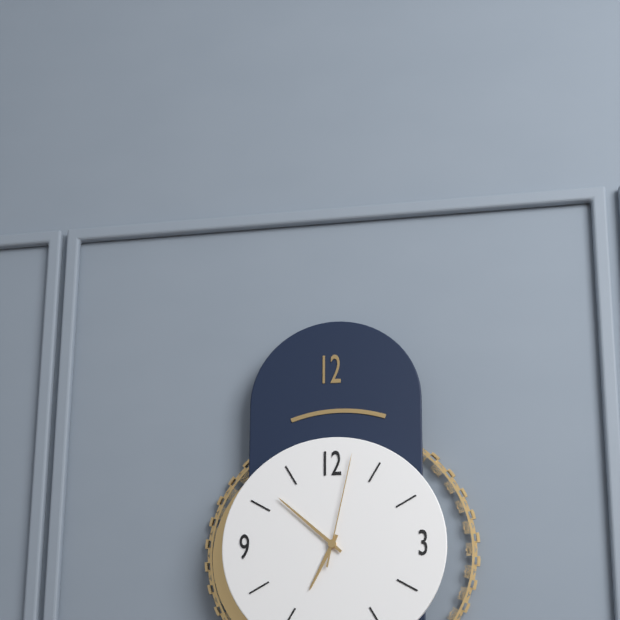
6:52:02
